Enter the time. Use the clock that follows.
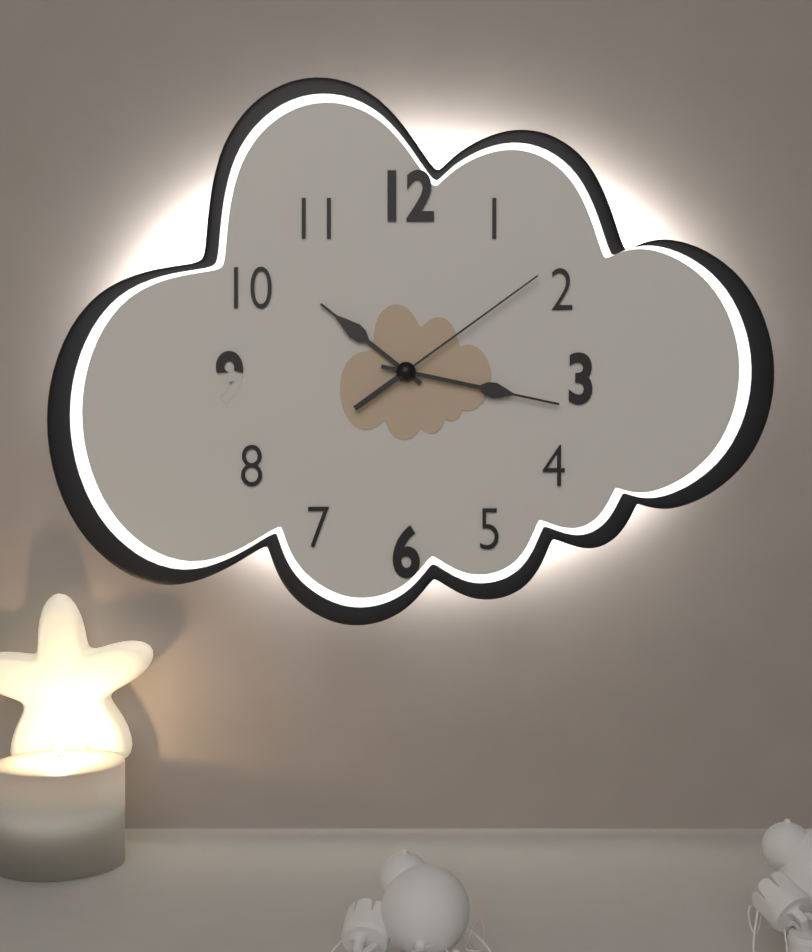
10:17:09
